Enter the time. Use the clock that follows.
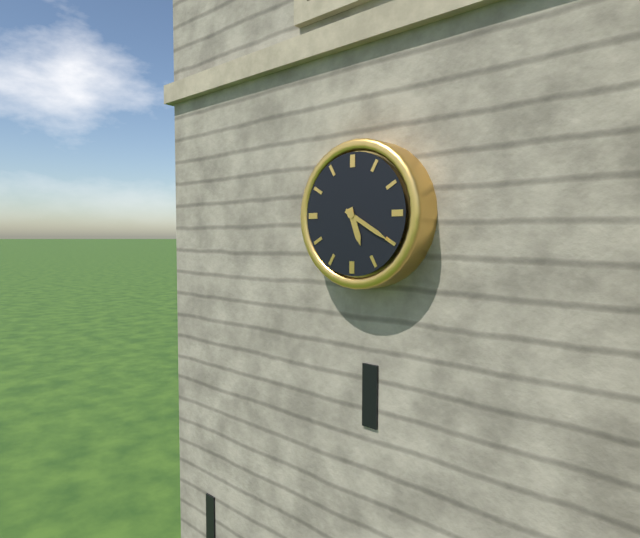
5:20
